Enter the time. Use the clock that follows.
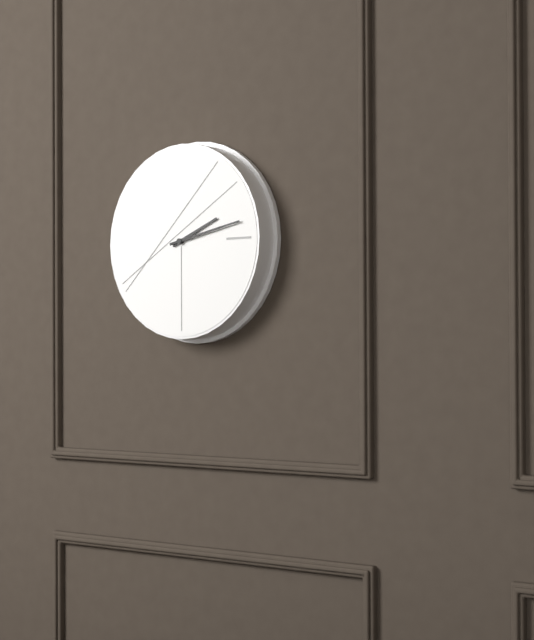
2:13
